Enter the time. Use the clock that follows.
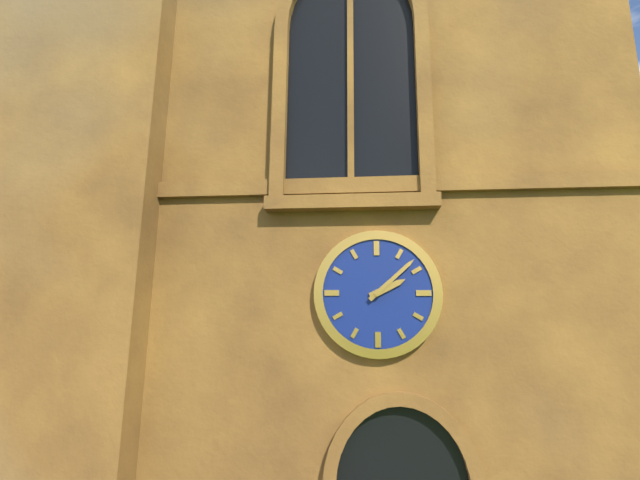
2:08
